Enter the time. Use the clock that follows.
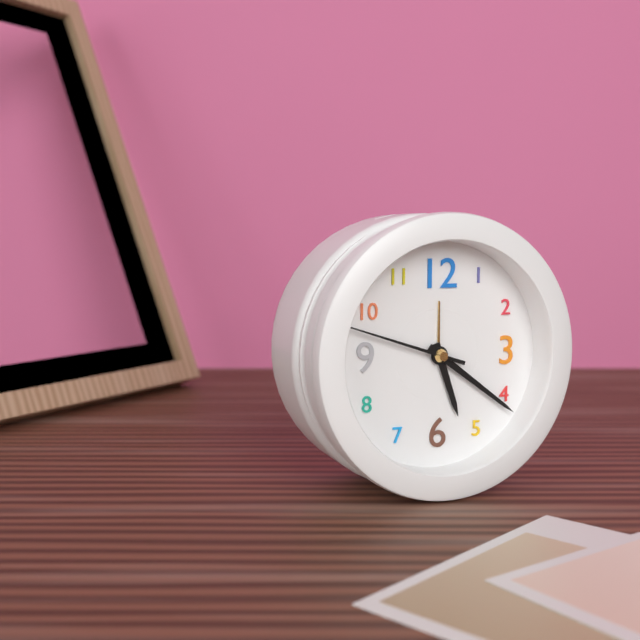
5:21:48
